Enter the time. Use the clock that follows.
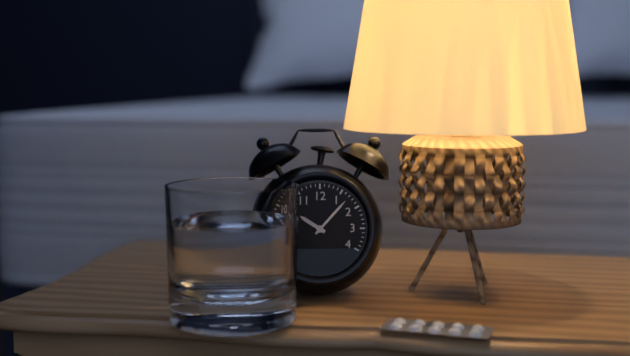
10:07
